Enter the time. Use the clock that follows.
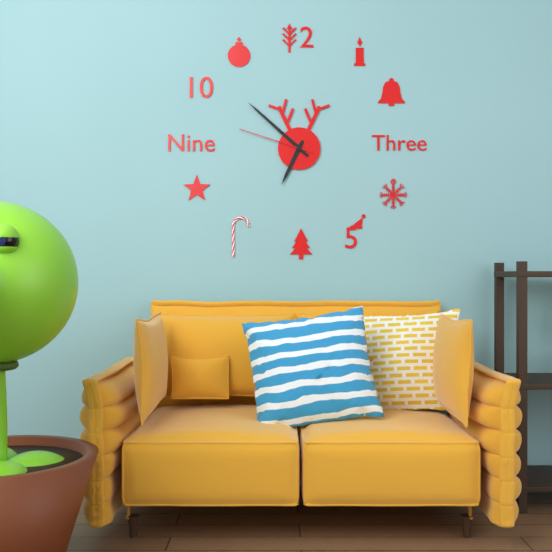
6:52:48
